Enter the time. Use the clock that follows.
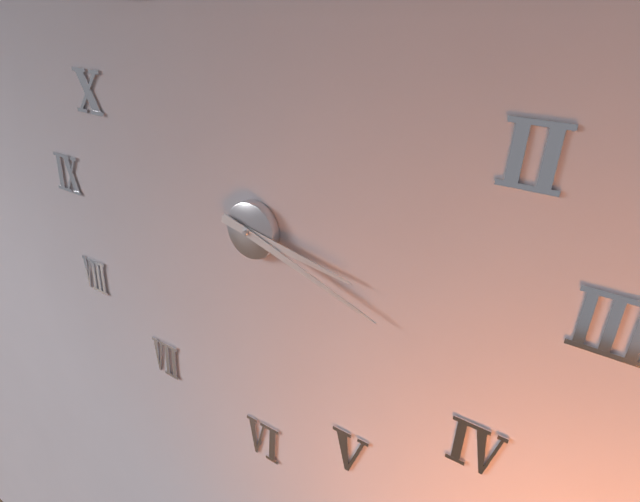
3:18
